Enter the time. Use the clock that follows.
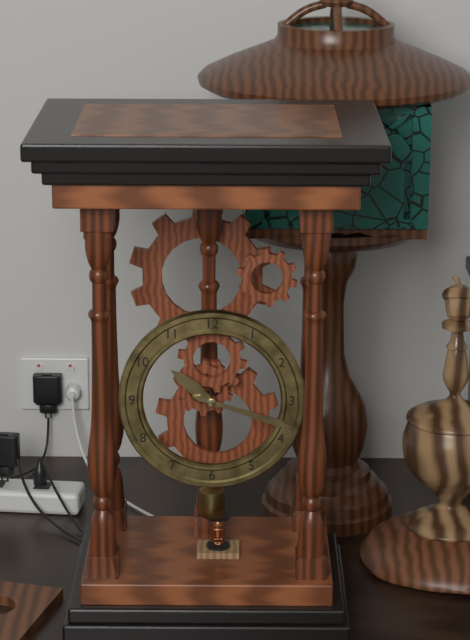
10:18
